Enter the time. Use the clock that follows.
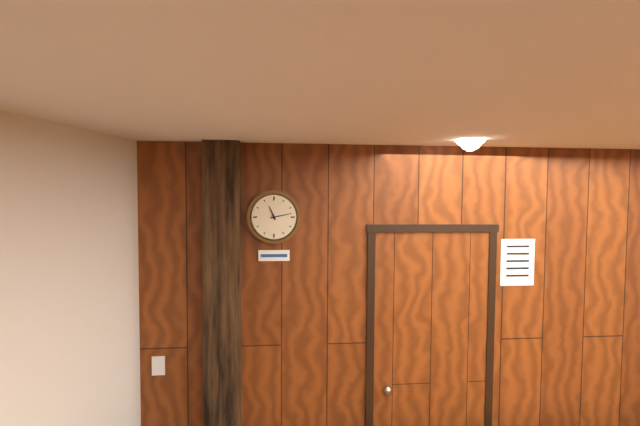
11:13
